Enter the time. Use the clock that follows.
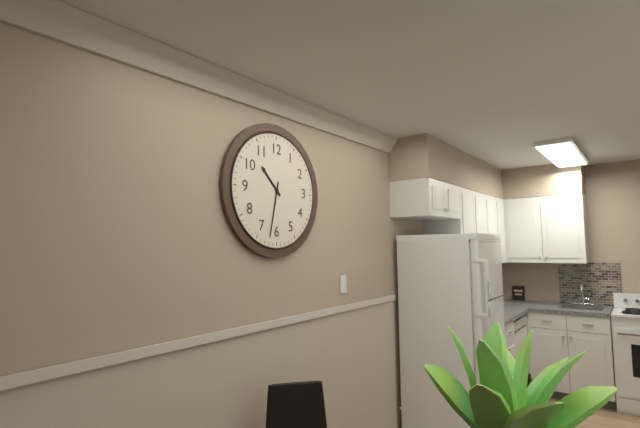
10:32
